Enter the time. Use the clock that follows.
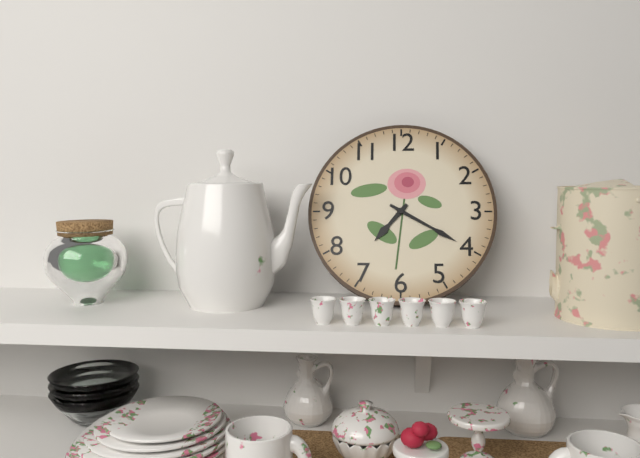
7:20
